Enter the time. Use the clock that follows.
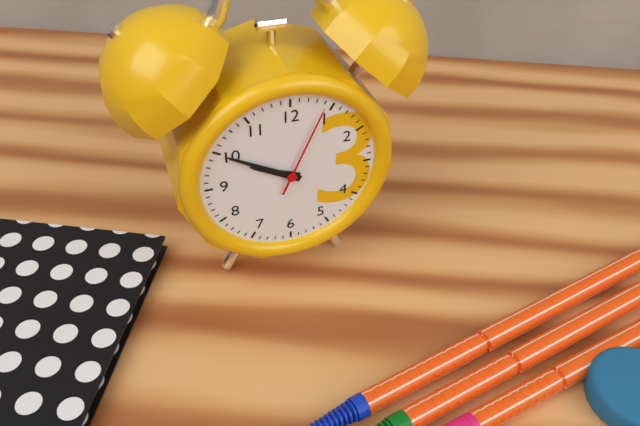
9:50:04
